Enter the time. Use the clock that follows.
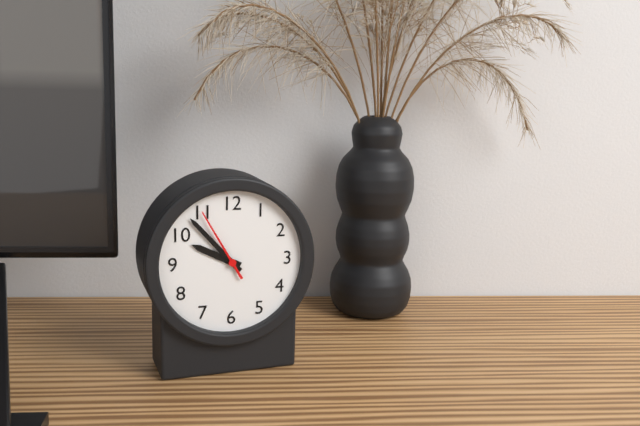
9:53:55
